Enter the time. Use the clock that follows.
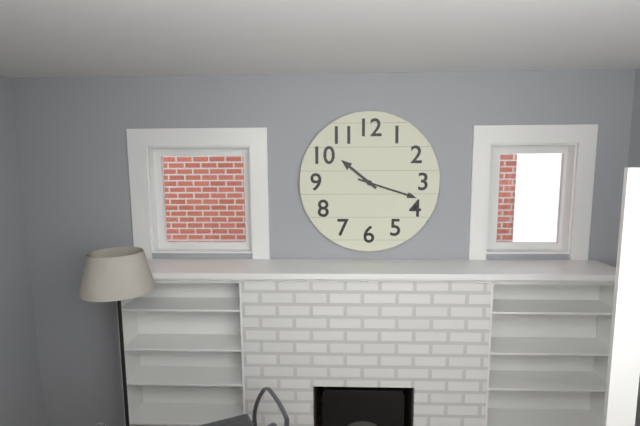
10:18
